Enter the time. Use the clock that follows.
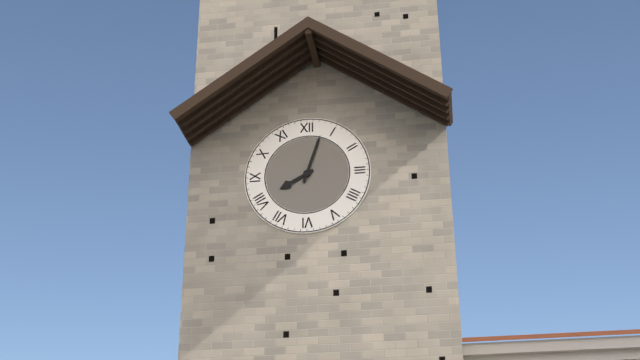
8:03
